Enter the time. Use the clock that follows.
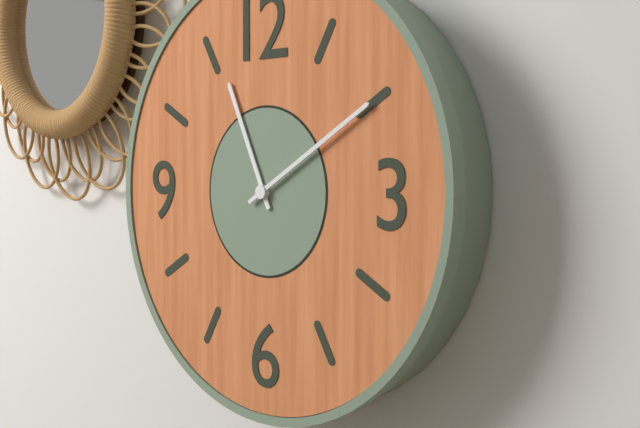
11:10
